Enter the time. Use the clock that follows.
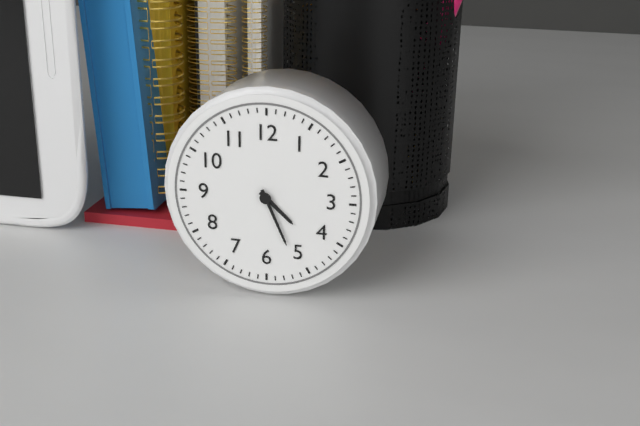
4:26
